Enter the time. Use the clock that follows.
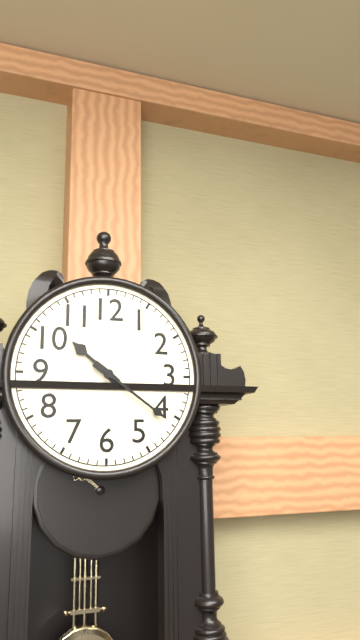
10:21
